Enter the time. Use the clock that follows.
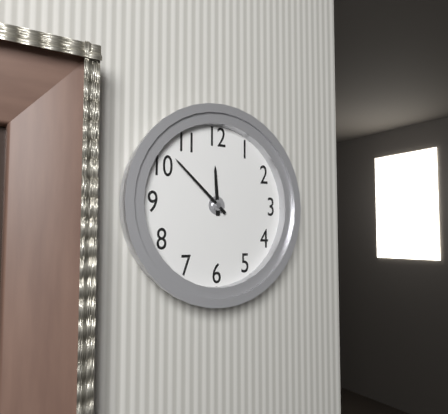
11:52
